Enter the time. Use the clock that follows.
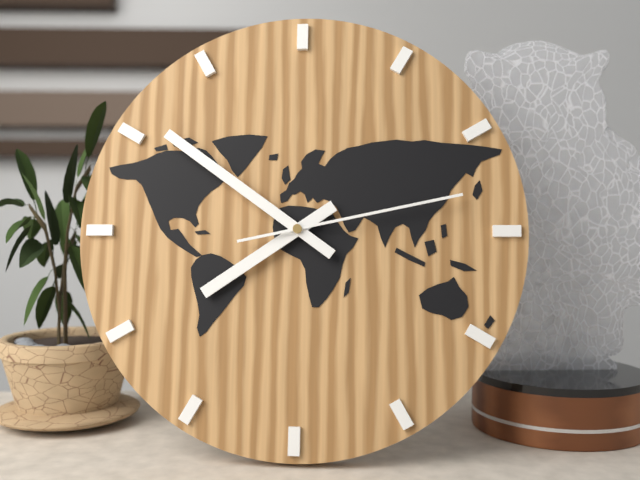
7:51:13
